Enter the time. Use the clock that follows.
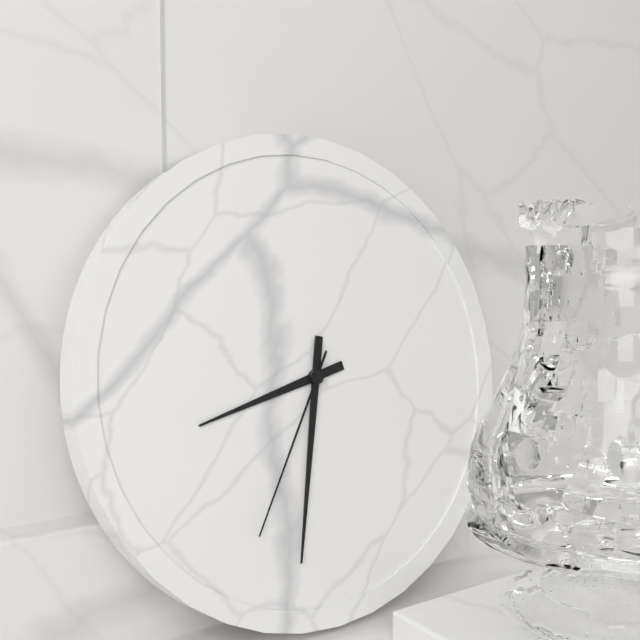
8:32:35
